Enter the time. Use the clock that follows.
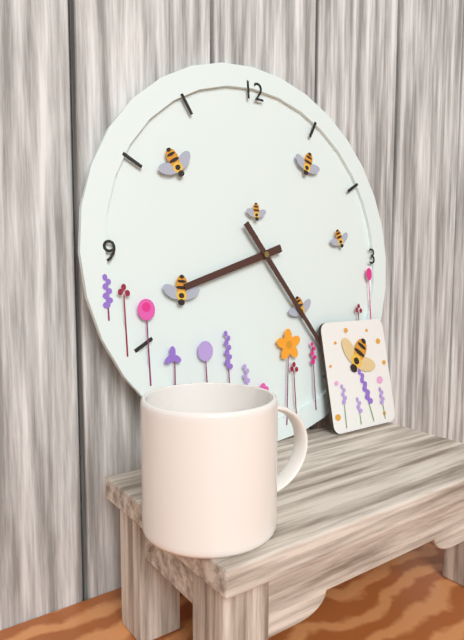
8:24
